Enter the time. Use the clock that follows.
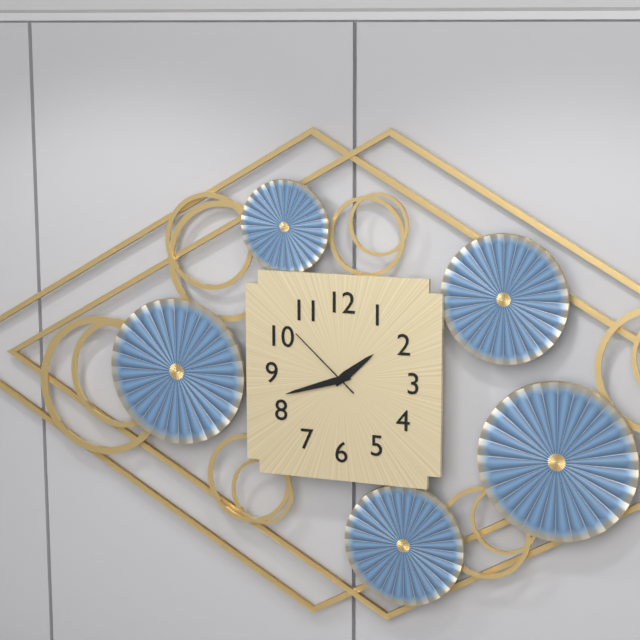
1:42:52
